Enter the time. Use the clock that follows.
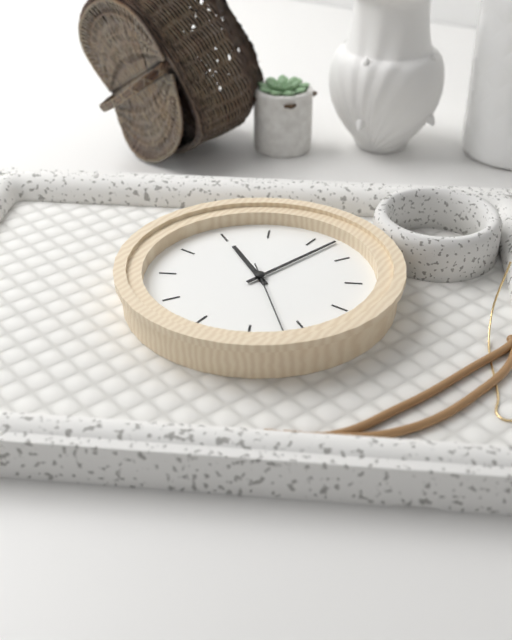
10:02:22
